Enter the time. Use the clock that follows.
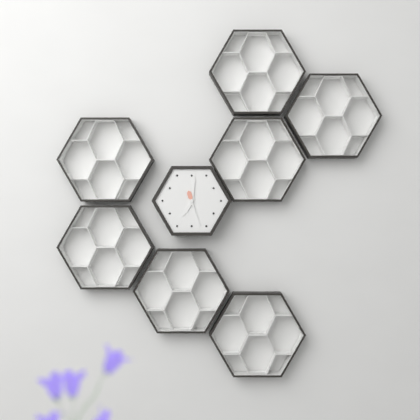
7:01
